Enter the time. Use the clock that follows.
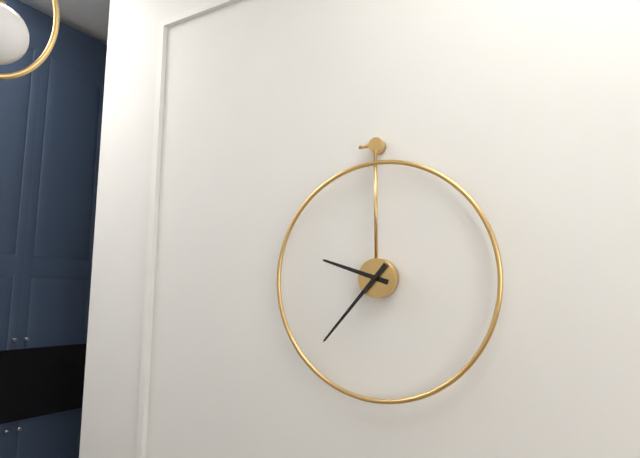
9:37
